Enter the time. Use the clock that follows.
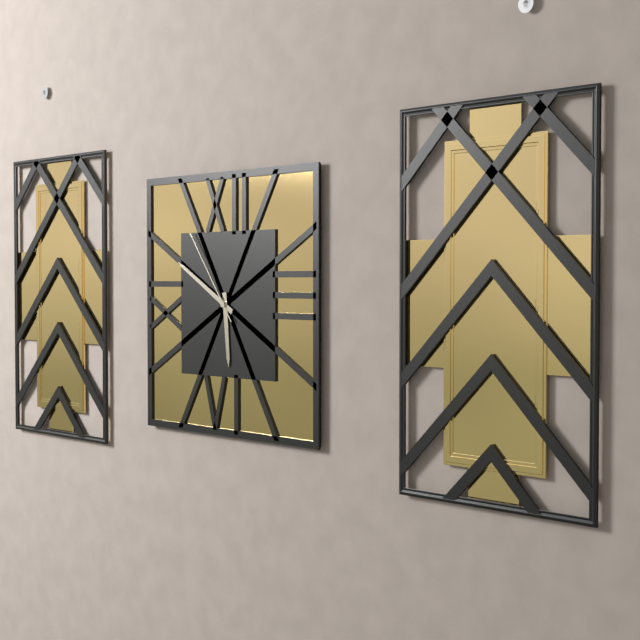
5:50:54
